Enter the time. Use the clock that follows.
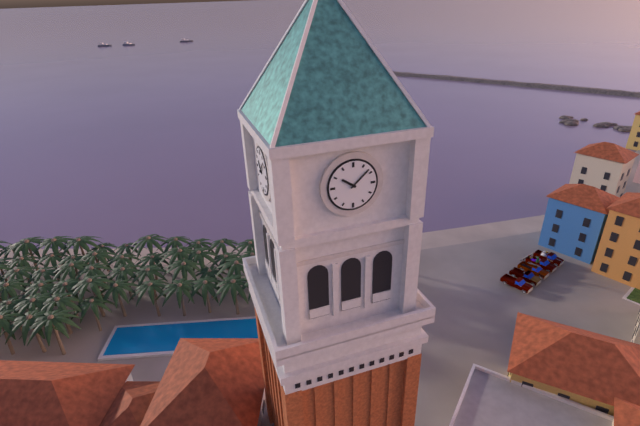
10:08
